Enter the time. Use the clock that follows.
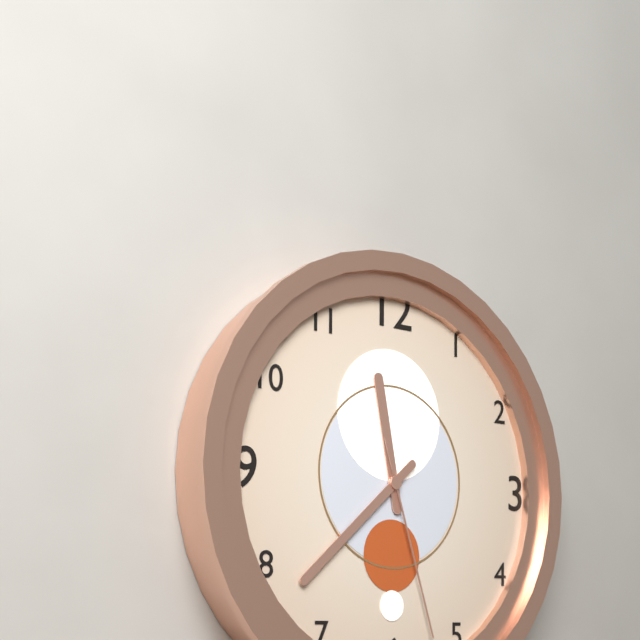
11:38:27
